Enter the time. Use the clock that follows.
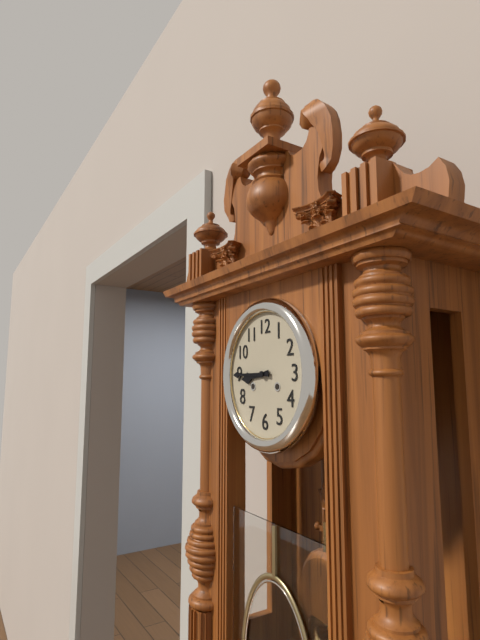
8:45
